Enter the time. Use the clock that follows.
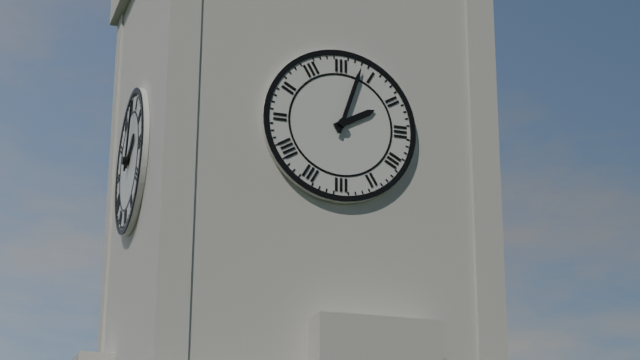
2:03
